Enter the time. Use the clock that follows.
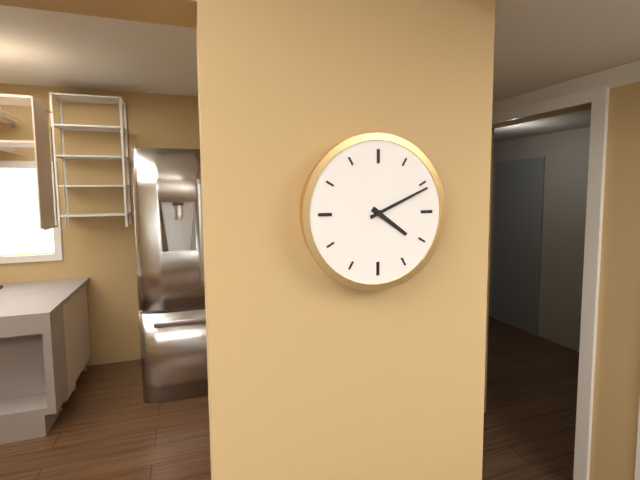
4:11
